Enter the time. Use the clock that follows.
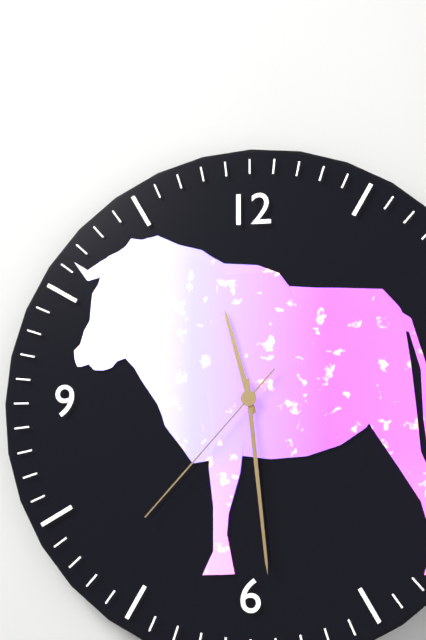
11:29:37
